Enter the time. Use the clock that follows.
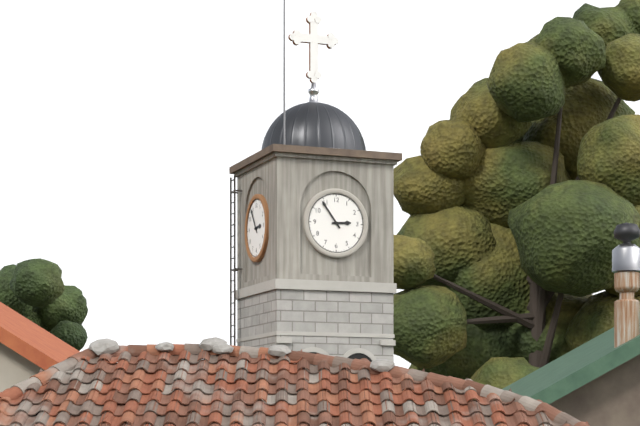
2:54
